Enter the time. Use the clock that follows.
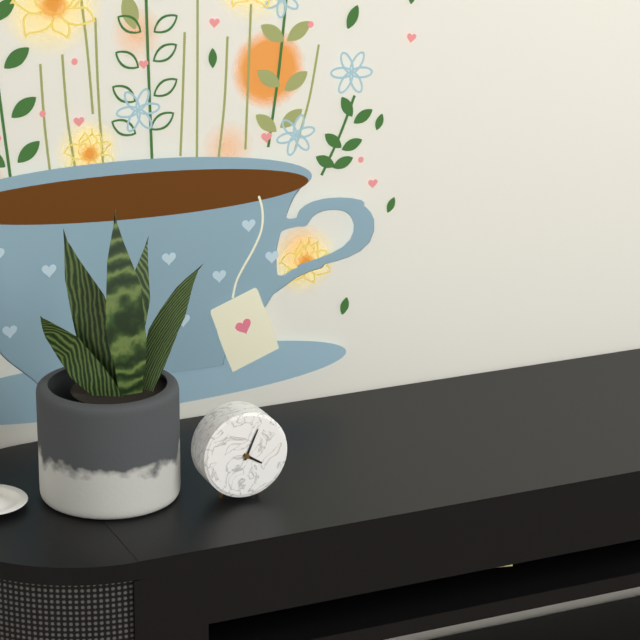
4:04
